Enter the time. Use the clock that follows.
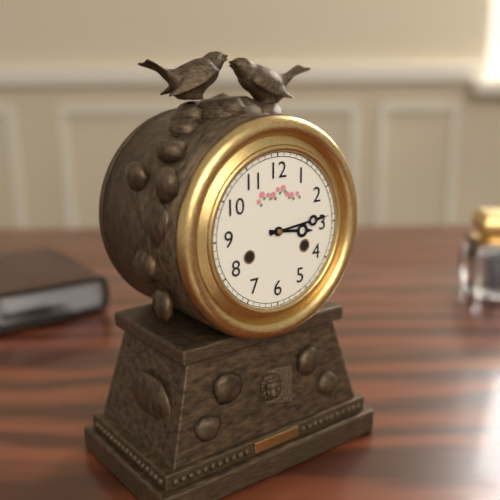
3:14
